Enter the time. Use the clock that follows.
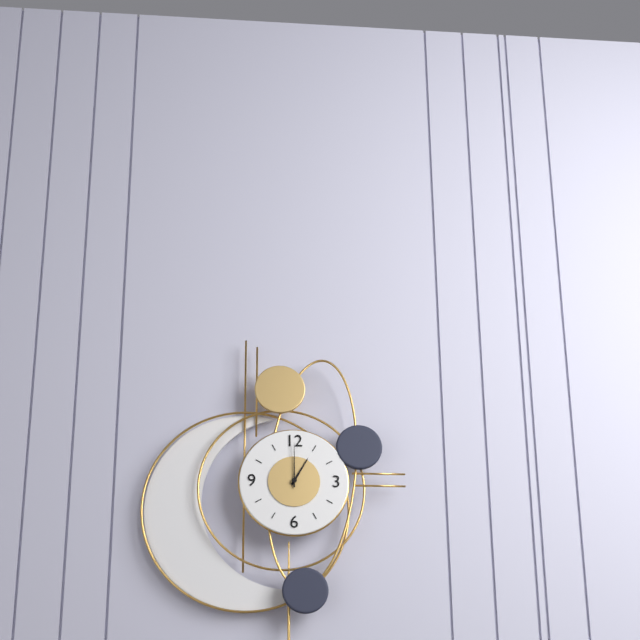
1:00
